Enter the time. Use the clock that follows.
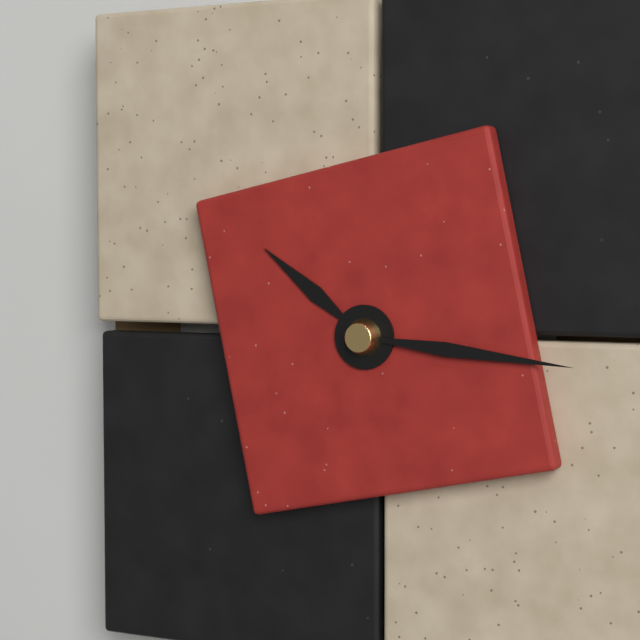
10:16
